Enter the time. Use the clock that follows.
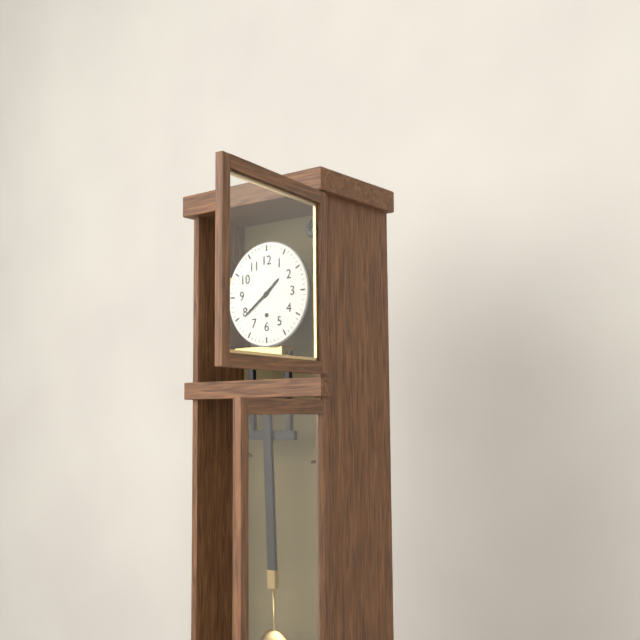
1:39
